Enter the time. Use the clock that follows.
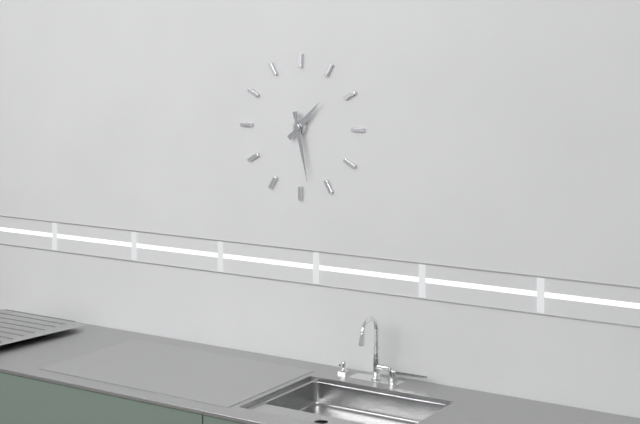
1:28
